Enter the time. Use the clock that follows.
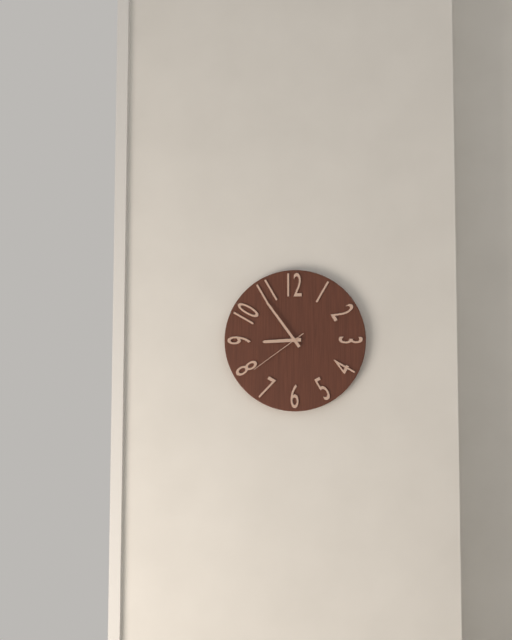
8:54:39
